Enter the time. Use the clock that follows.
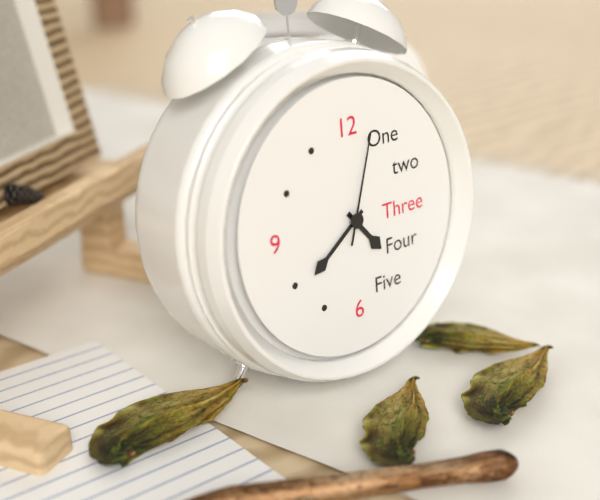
4:39:03
